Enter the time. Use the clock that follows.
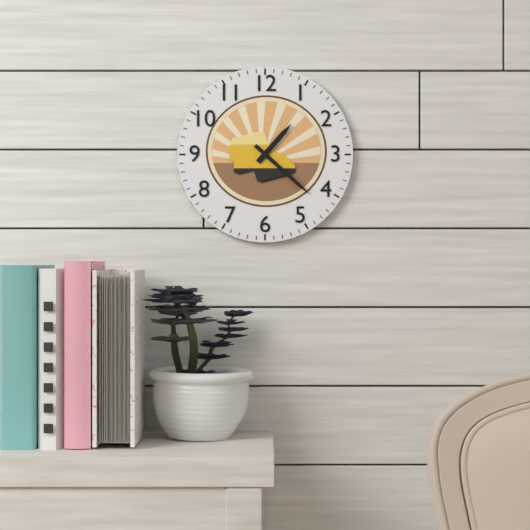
1:22
